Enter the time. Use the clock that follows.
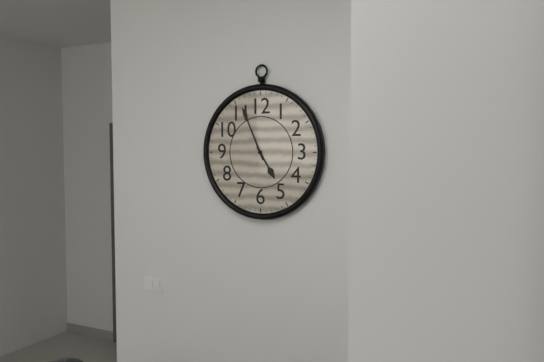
4:56
